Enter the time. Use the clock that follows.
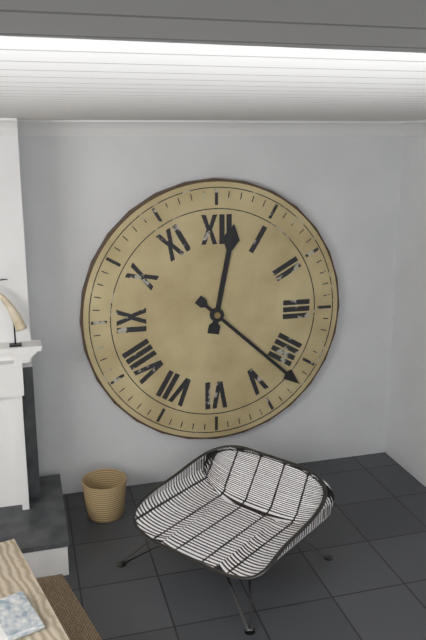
12:22
